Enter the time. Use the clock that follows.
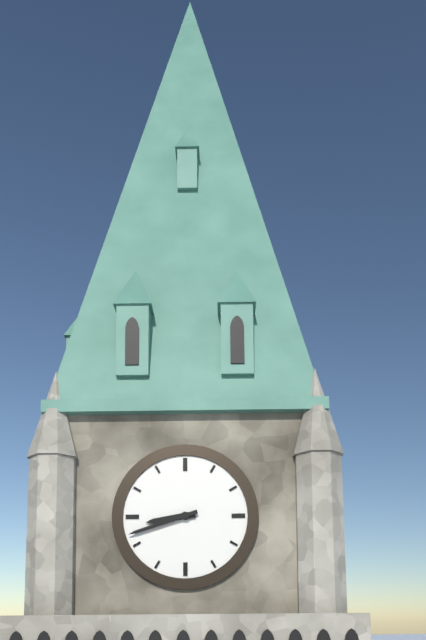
8:42
